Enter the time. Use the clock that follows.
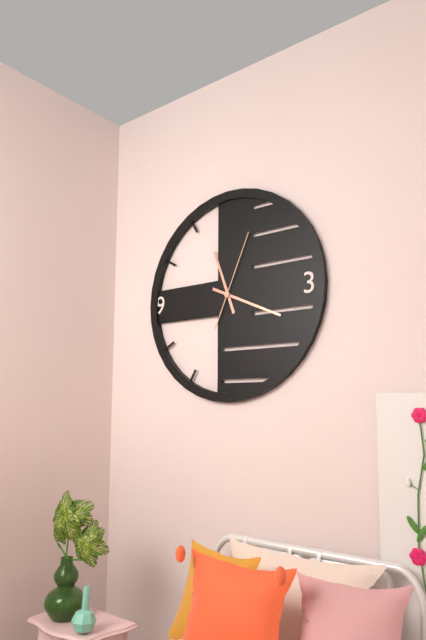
11:19:04
